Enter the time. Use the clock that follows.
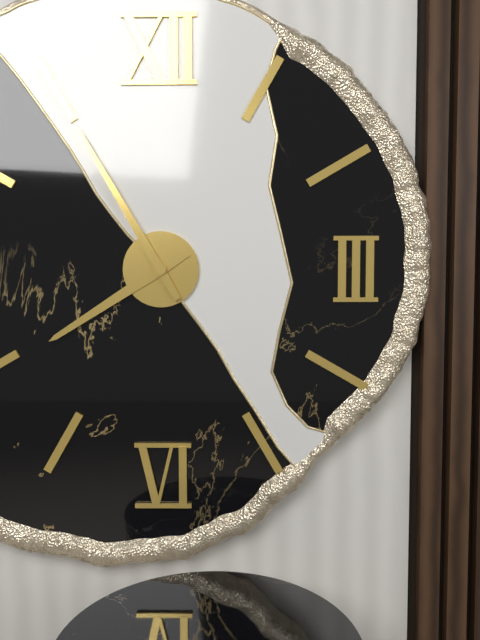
7:55
